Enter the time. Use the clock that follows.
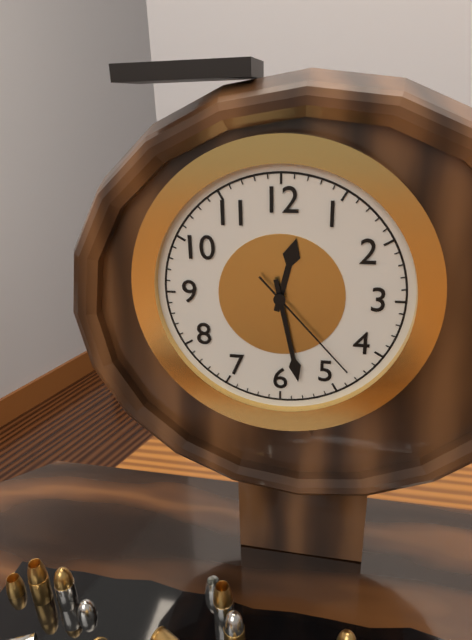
12:28:23
